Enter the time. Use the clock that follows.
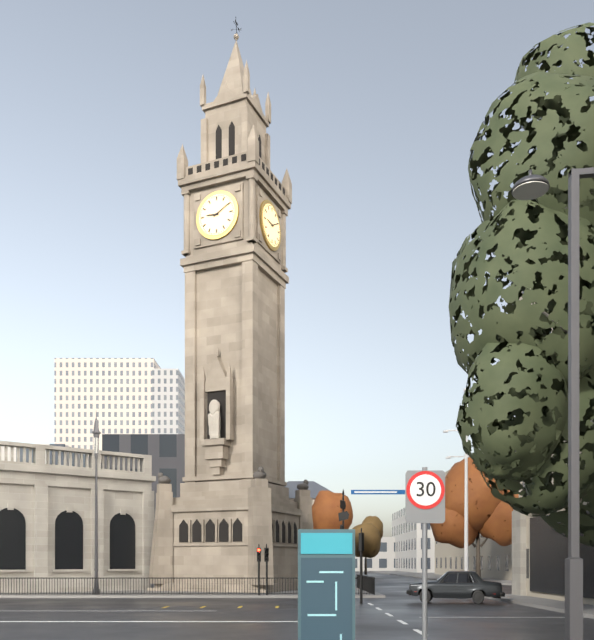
9:10
